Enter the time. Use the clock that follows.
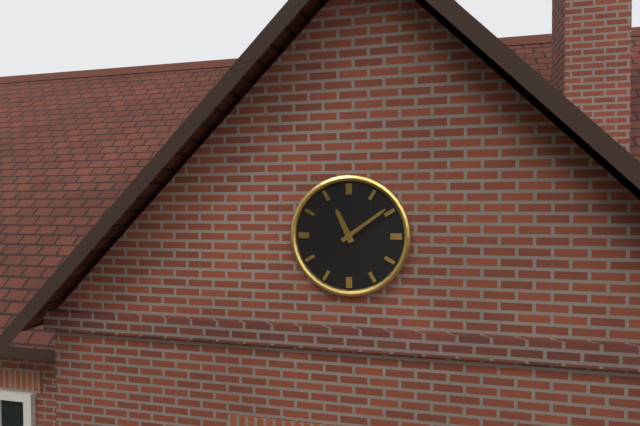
11:09
